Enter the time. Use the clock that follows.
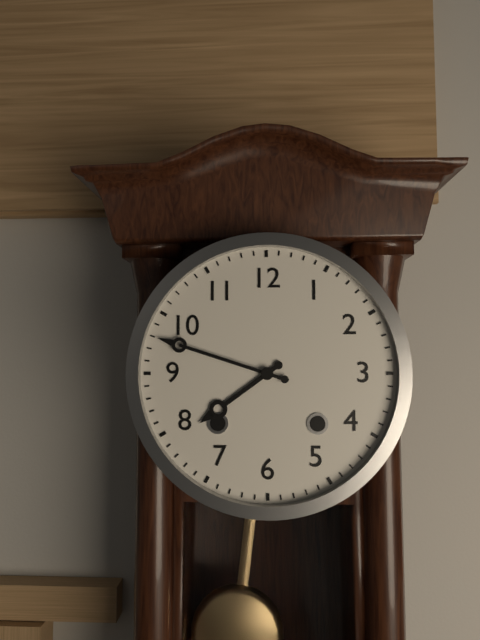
7:48
